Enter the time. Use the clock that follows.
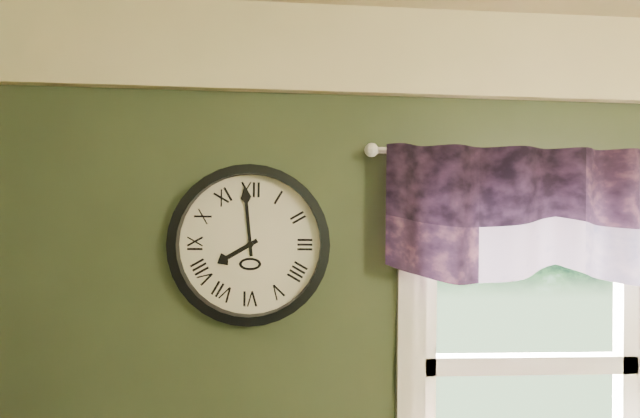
7:59
